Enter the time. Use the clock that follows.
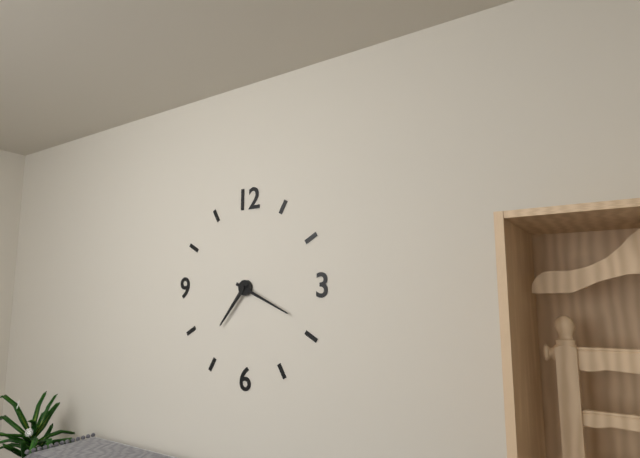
7:19
